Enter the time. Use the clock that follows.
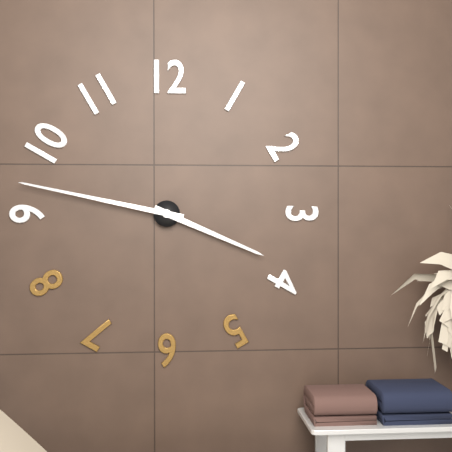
3:47
